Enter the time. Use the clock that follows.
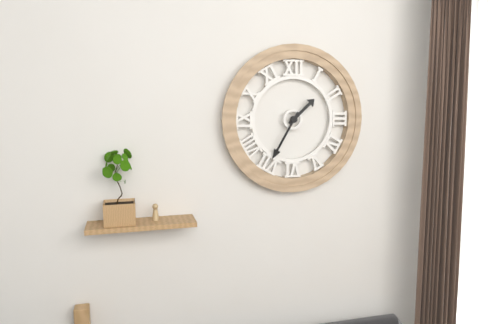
1:35
